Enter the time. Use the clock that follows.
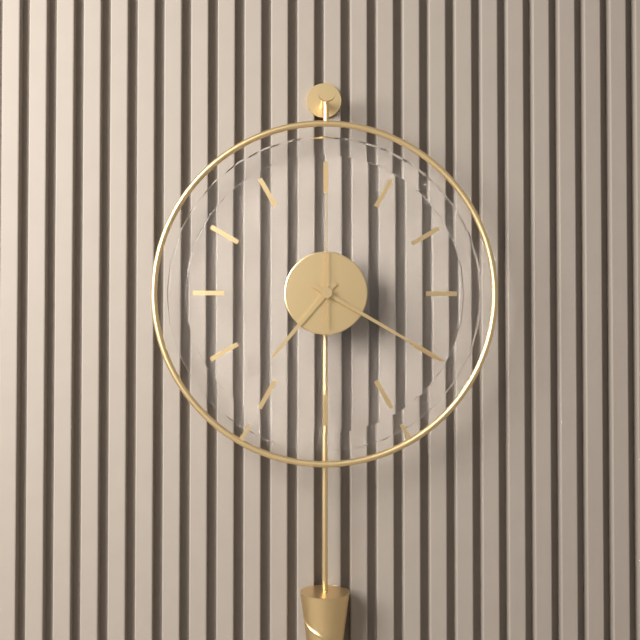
7:20:00
